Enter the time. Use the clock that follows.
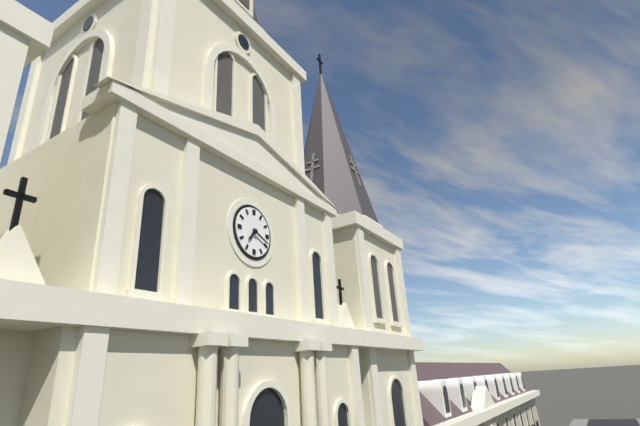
7:19
